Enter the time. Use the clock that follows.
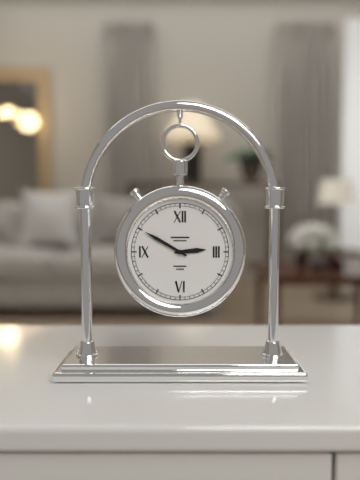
2:50
